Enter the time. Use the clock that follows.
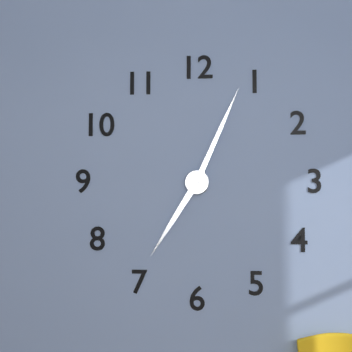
7:04
